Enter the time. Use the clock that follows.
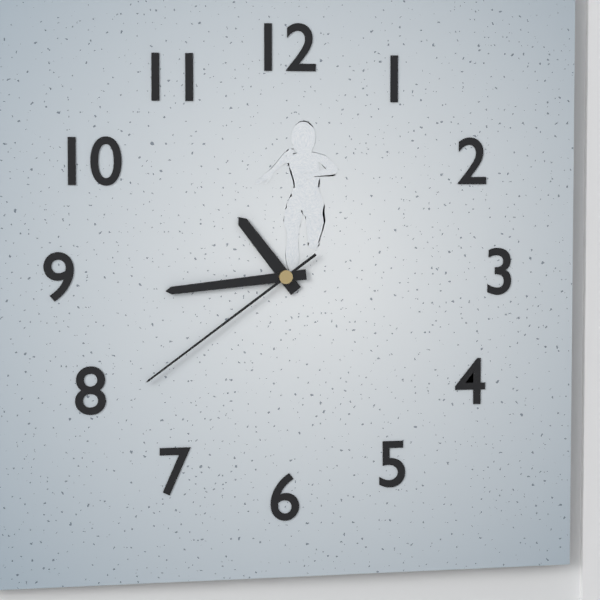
10:44:39
